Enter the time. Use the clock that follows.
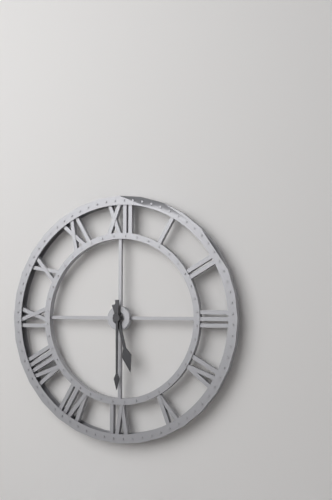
5:30
